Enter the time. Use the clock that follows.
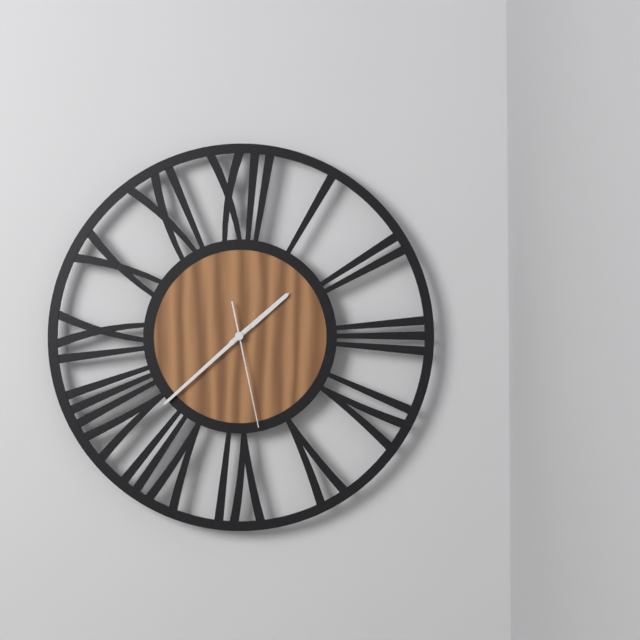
1:38:28
